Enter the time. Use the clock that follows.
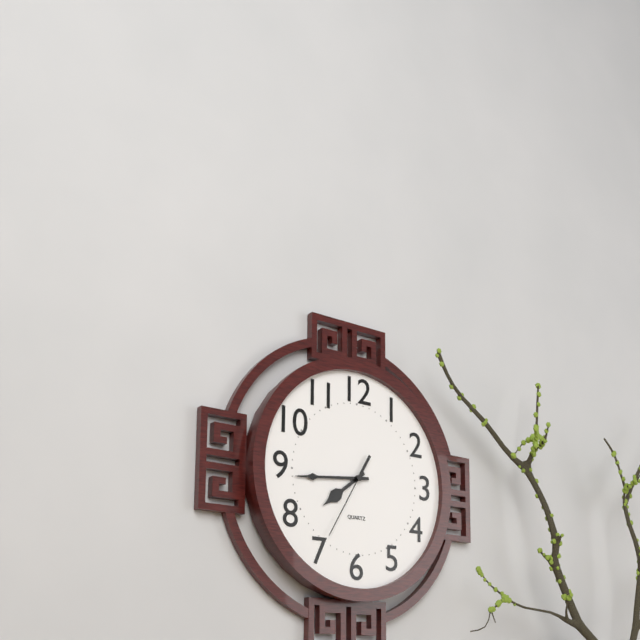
7:44:35
